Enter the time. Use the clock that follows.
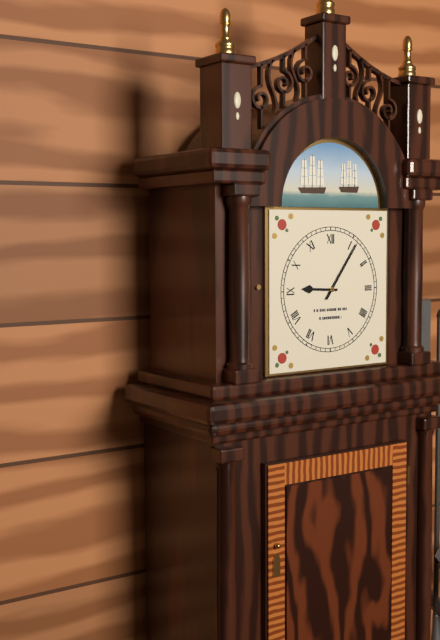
9:06
